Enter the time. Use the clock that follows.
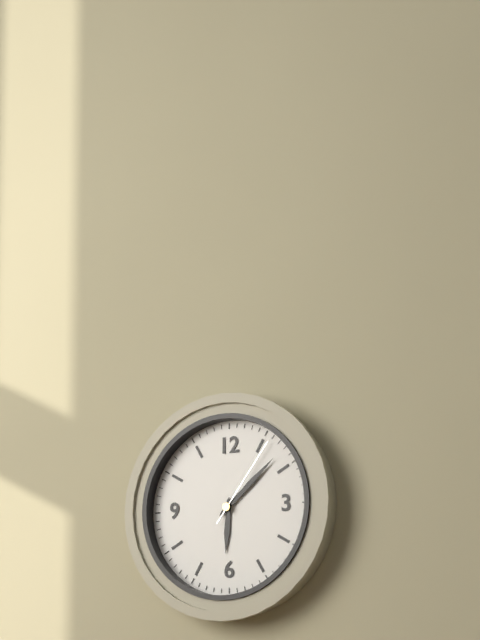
6:08:06
